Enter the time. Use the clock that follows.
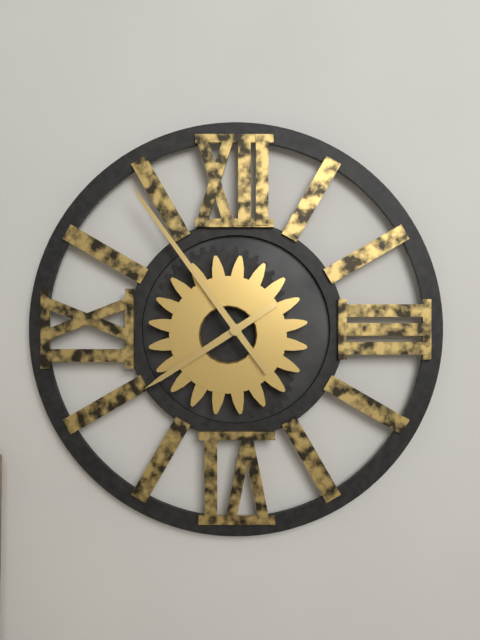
7:54
